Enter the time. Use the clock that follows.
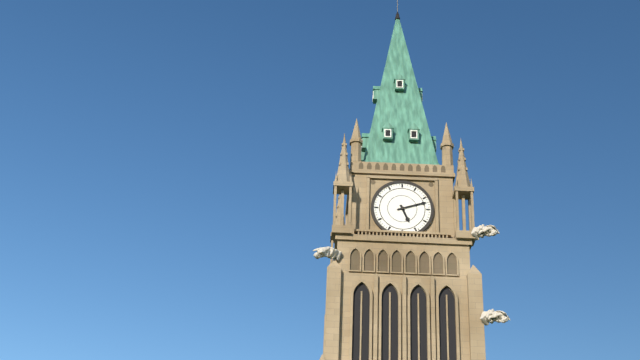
5:12
